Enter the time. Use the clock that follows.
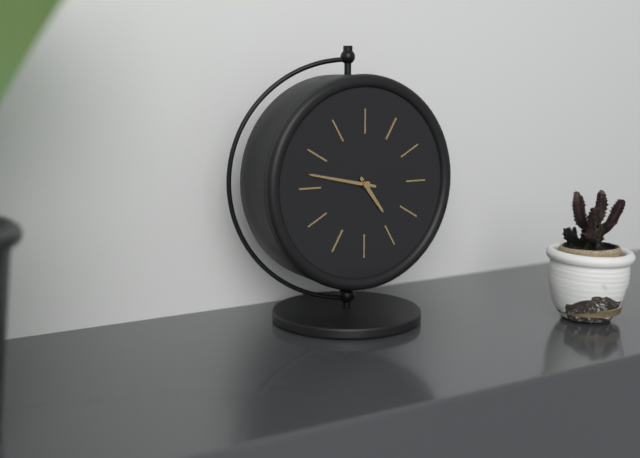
4:47
